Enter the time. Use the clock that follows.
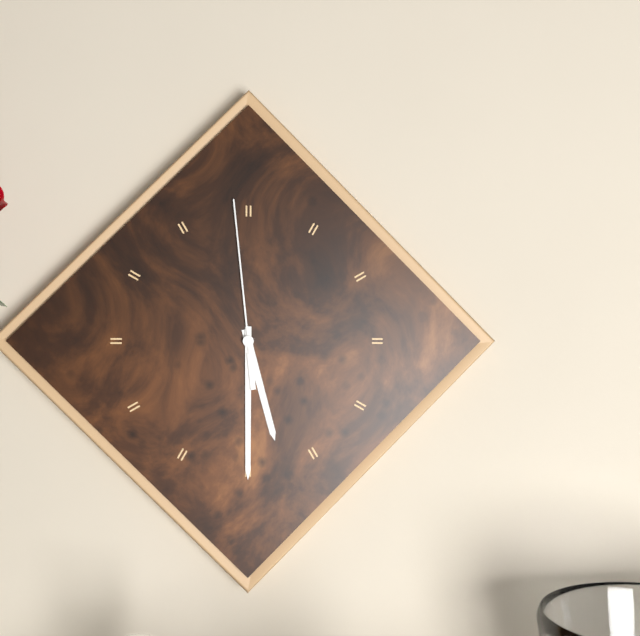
5:30:59
